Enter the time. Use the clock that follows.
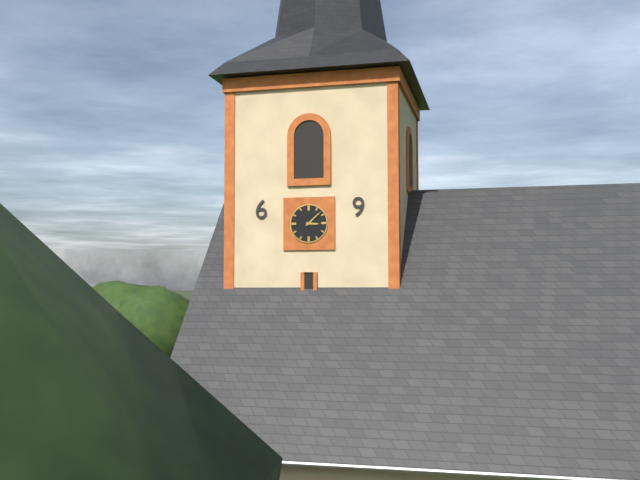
3:08
